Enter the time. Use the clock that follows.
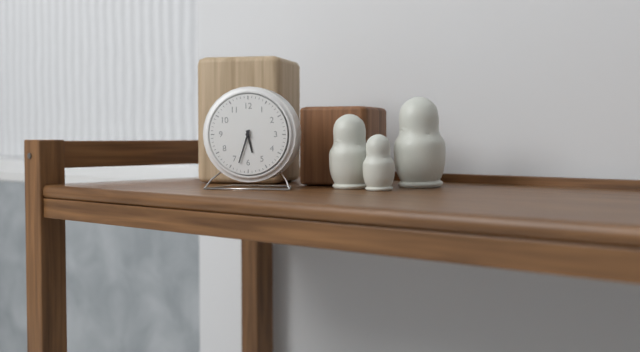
5:33
